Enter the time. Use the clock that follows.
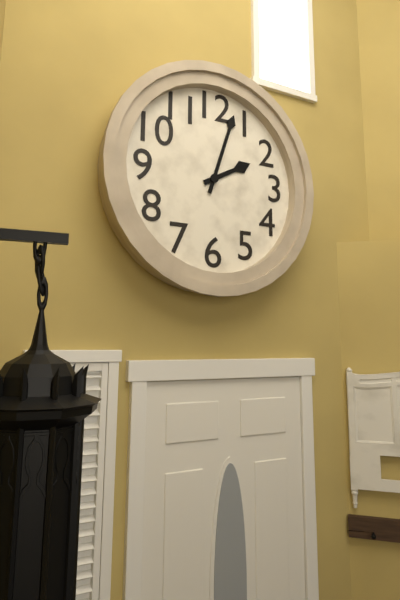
2:03
